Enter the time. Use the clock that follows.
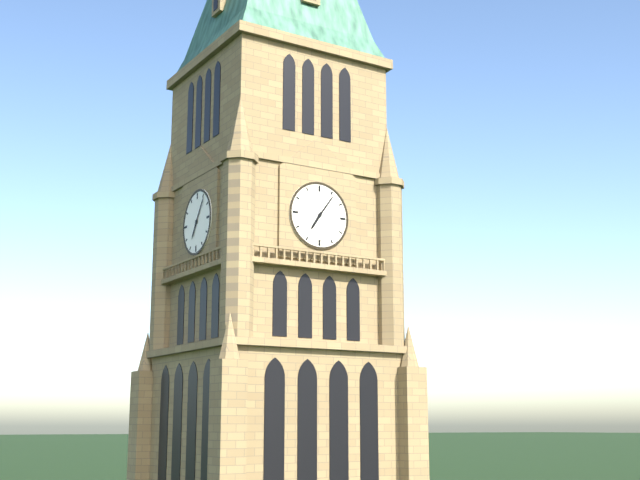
7:06
